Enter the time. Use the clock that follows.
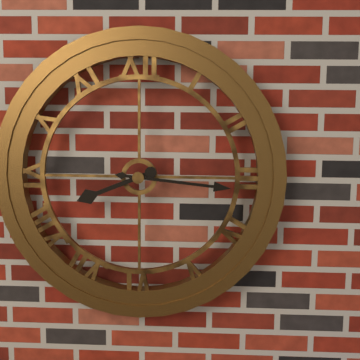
8:16
